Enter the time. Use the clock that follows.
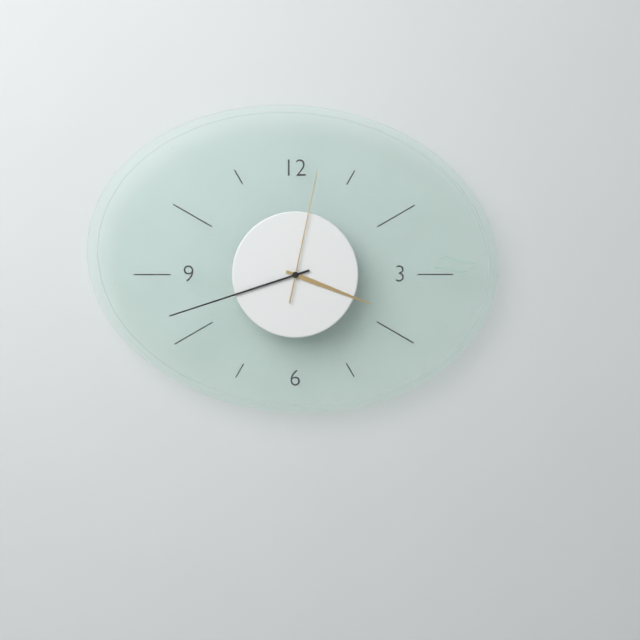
3:42:02
